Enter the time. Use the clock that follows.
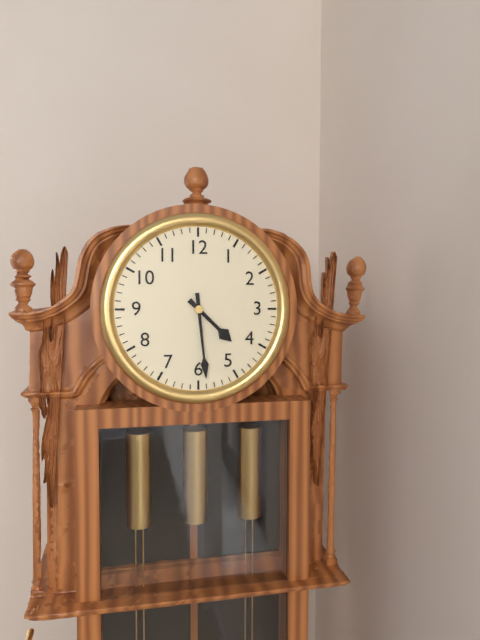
4:29
